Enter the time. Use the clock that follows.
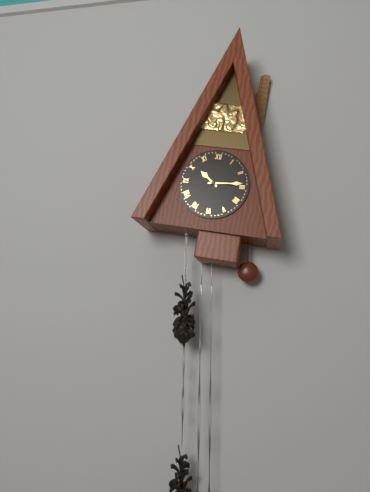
10:14
